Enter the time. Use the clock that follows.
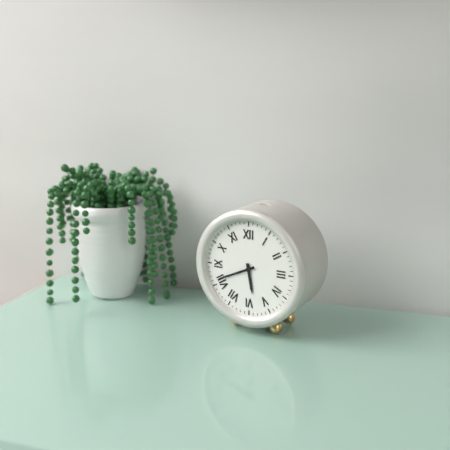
5:41
